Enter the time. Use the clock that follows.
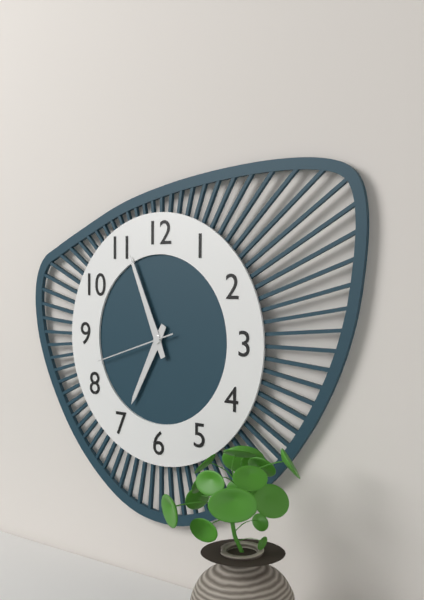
6:56:42
